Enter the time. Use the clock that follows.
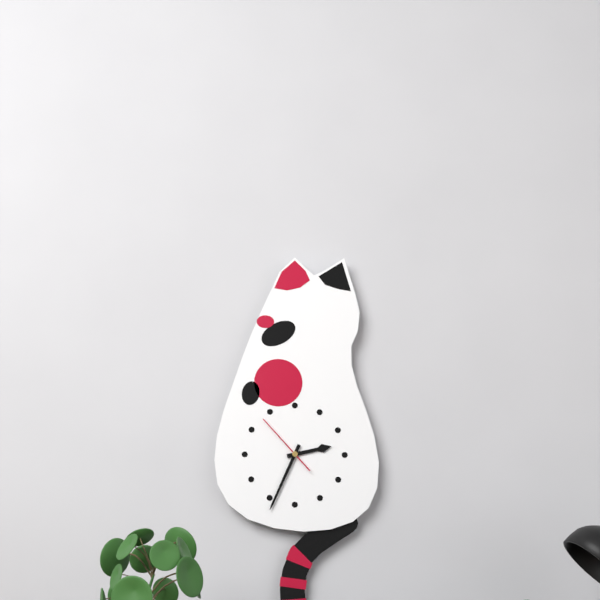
2:34:53
